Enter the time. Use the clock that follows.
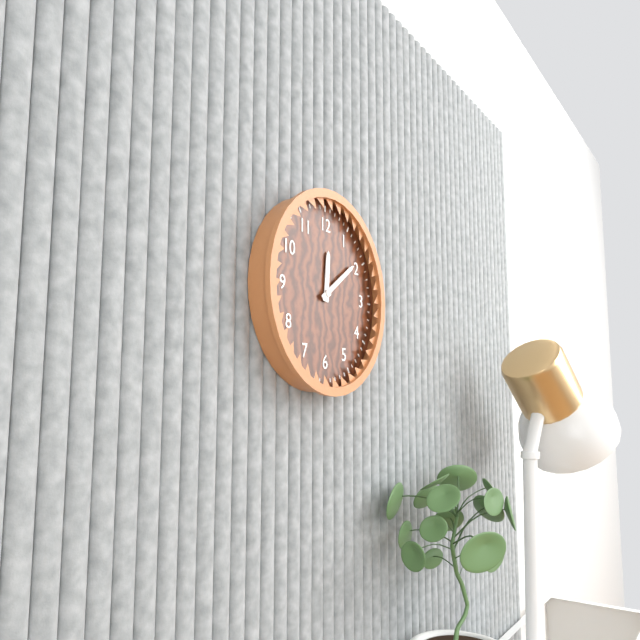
12:09
